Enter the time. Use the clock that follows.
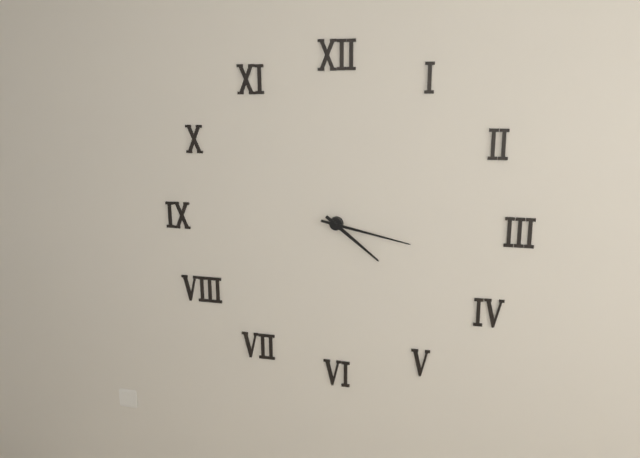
4:17
